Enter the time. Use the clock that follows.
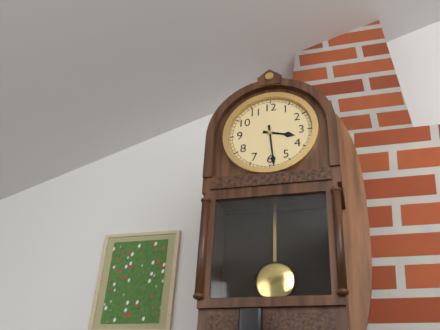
3:29
